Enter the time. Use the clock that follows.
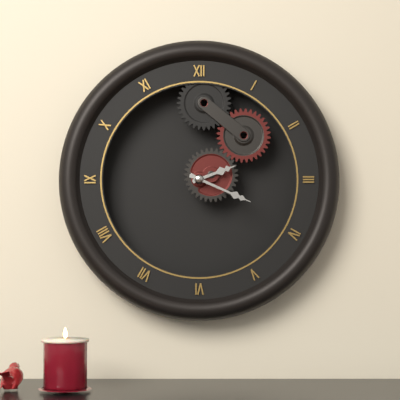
2:19
